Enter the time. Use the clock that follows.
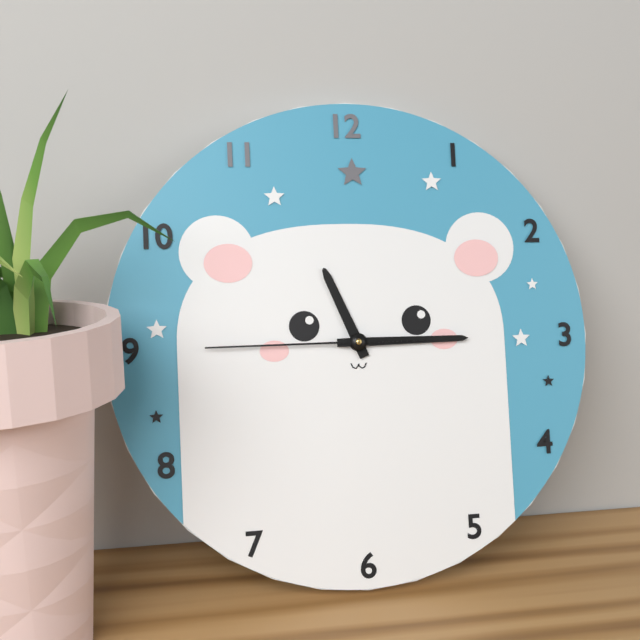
11:15:45
